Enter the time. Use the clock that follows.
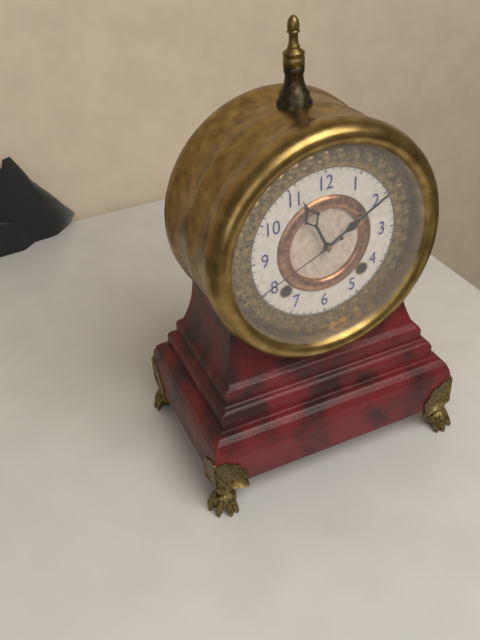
11:10:41
